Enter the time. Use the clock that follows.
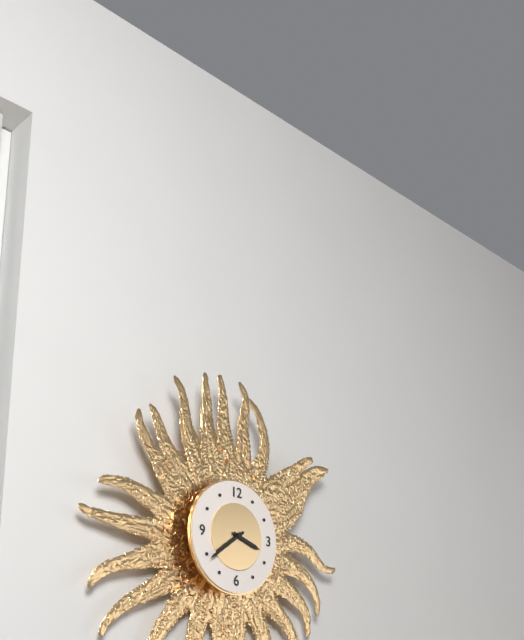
3:39
